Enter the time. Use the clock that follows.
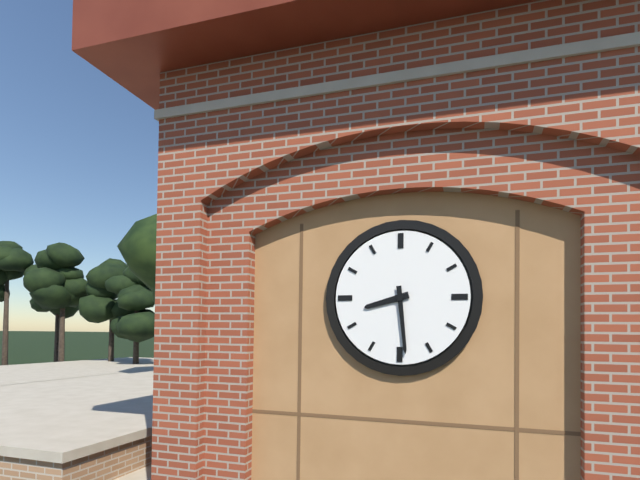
8:29
